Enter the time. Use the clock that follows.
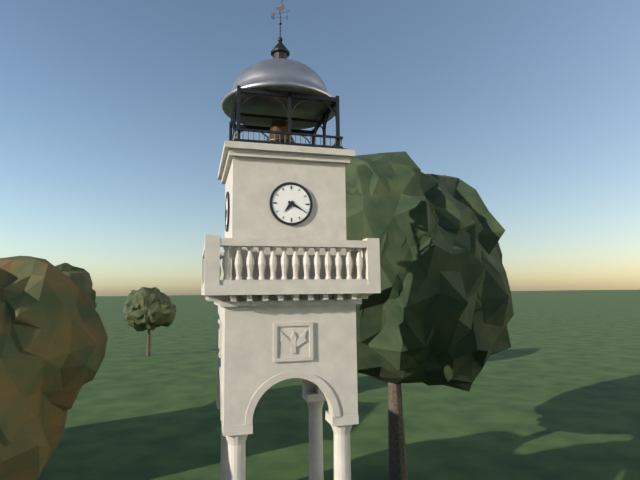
7:20
